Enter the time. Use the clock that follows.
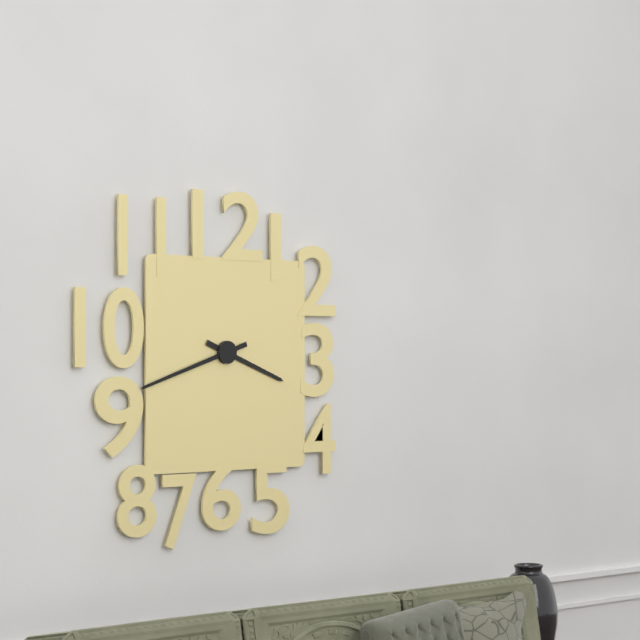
3:42
